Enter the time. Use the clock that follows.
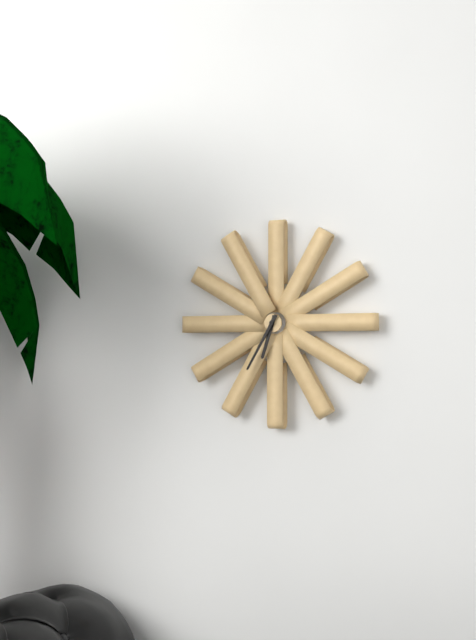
6:35
